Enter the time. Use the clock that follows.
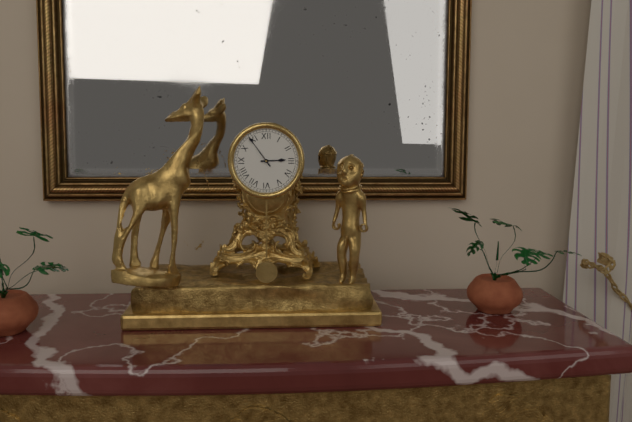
2:54
